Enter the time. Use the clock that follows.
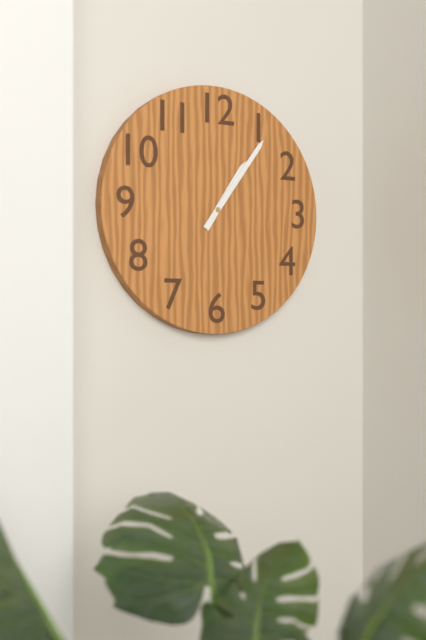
1:06
